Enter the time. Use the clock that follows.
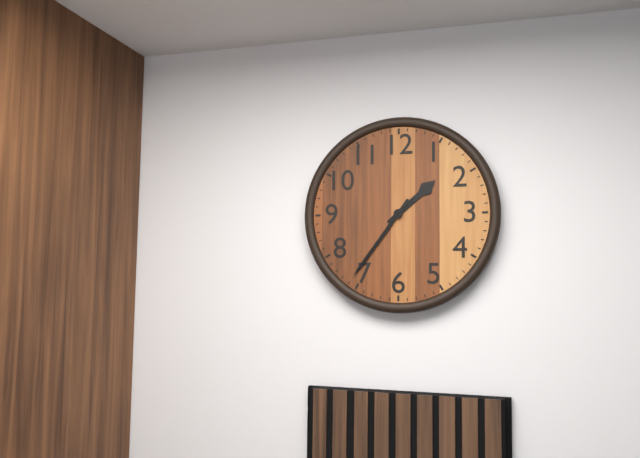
1:36
